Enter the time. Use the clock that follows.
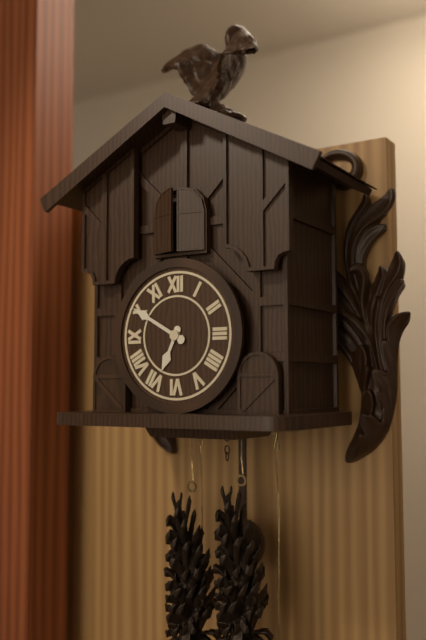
6:50
